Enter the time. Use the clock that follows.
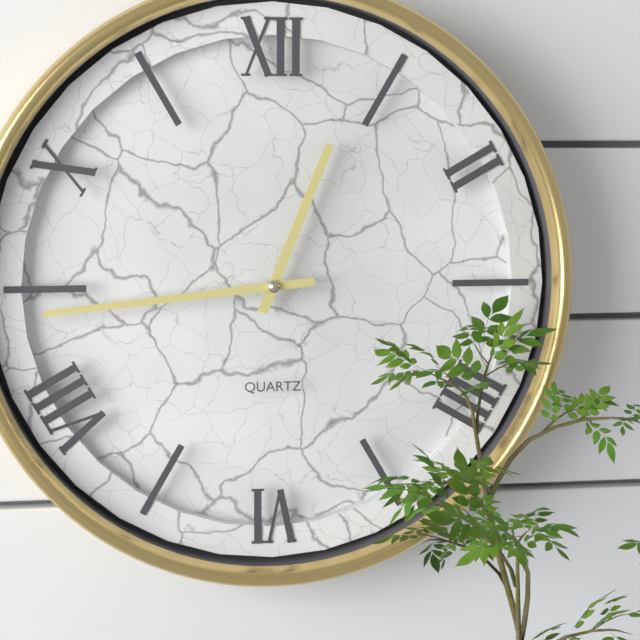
12:44
